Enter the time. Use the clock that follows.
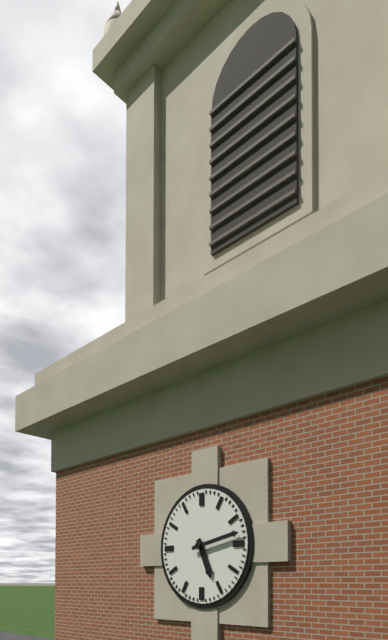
5:13
